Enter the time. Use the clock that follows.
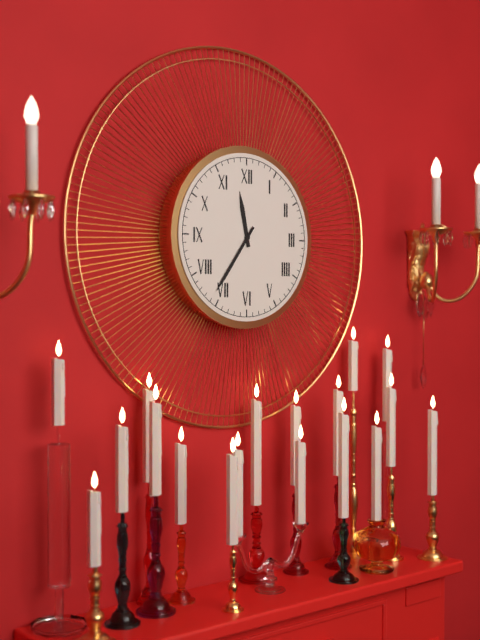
11:36
